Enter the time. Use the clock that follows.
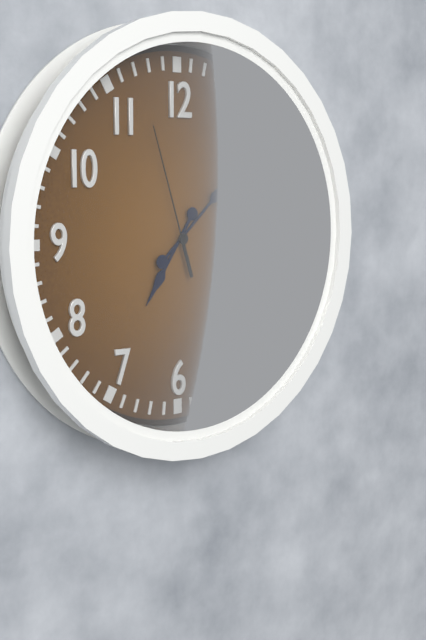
7:08:57
